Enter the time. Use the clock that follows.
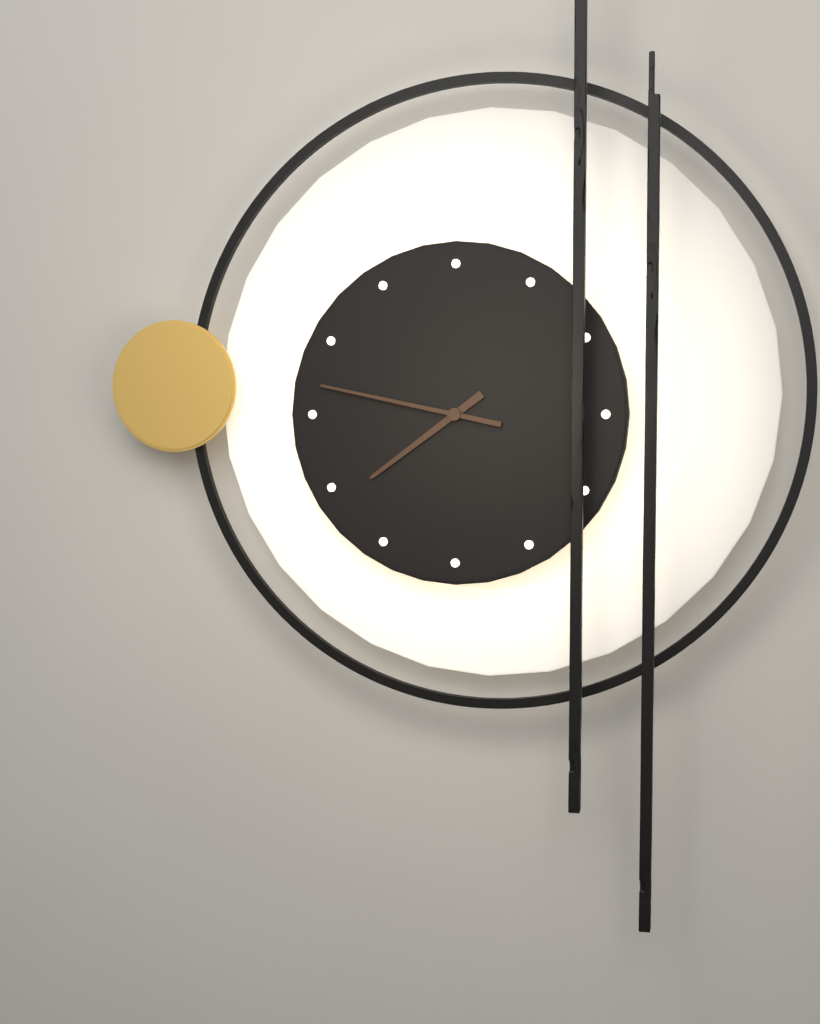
7:47
